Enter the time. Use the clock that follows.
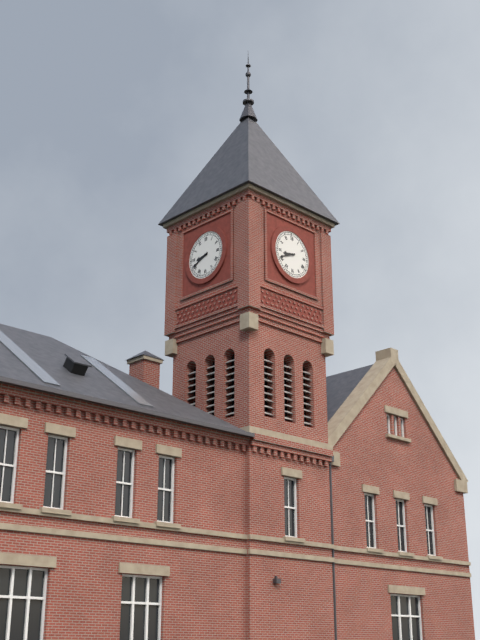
8:41
